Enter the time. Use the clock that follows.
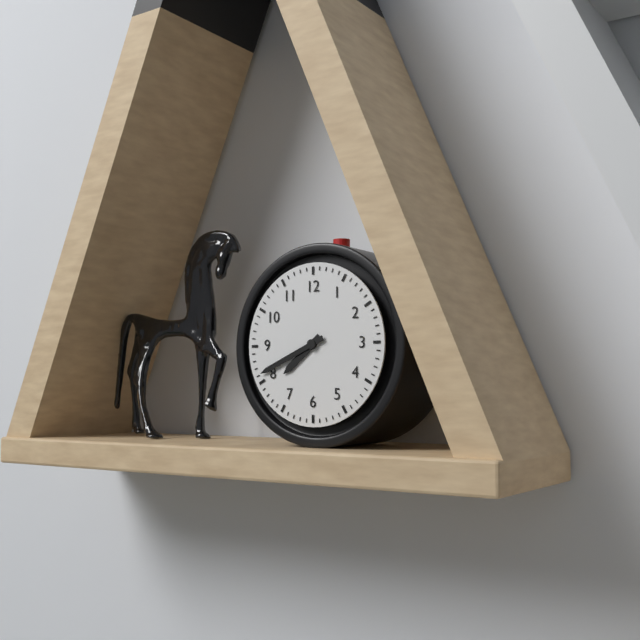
7:41
